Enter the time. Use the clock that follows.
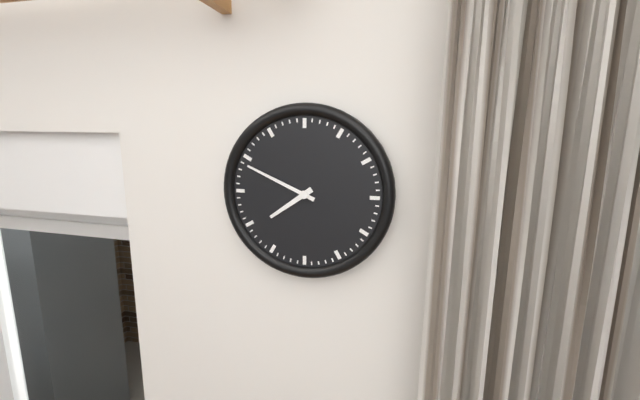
7:49
